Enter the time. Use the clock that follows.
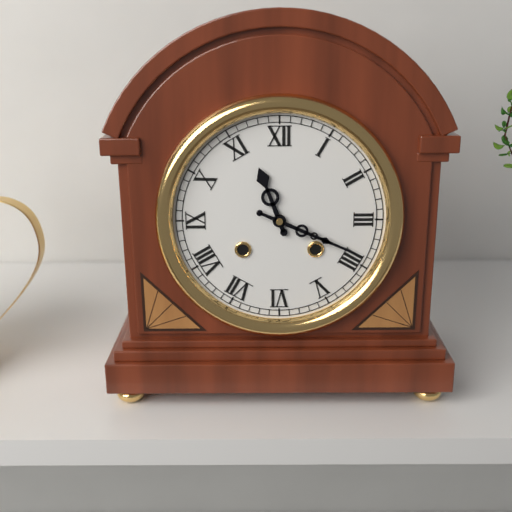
11:19
